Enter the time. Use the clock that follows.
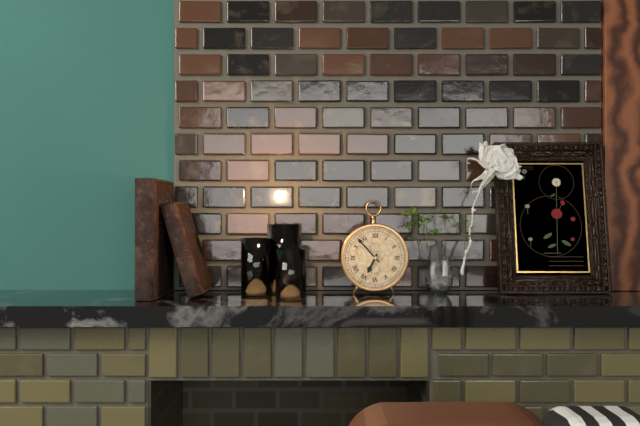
6:53
